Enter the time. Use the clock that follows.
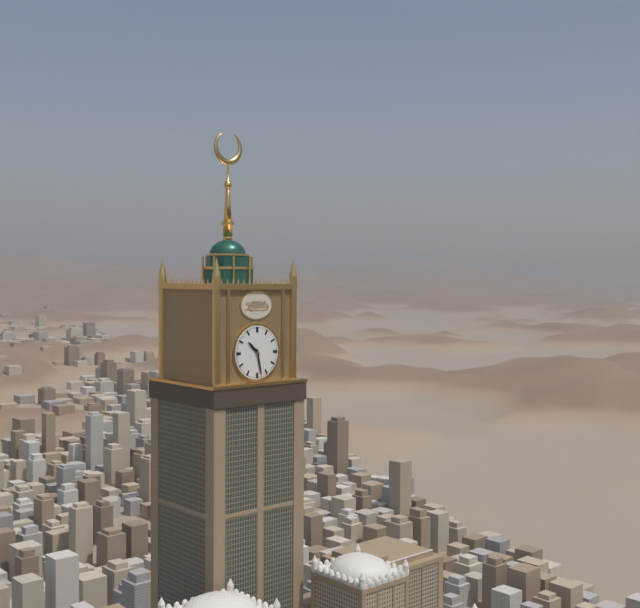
10:28
